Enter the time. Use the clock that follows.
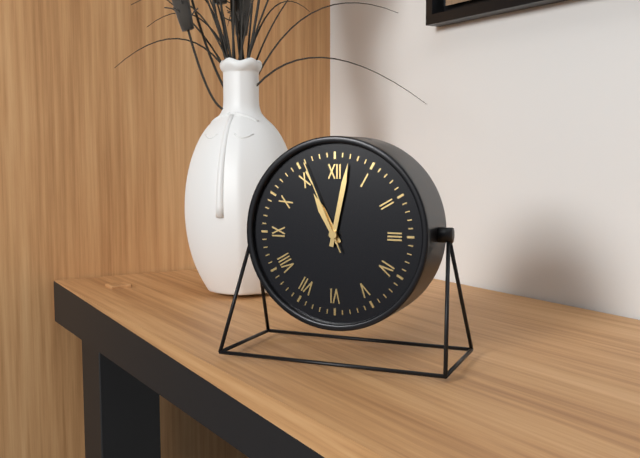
11:02:56
